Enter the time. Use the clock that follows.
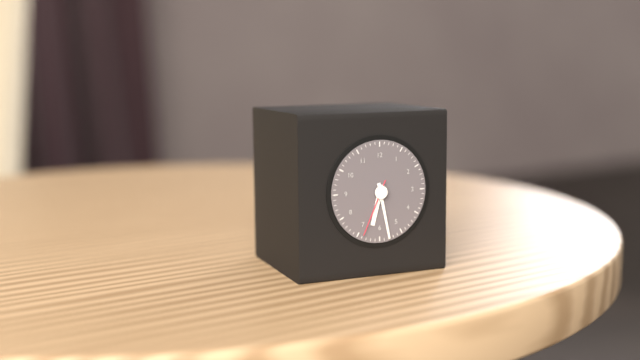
6:28:34
